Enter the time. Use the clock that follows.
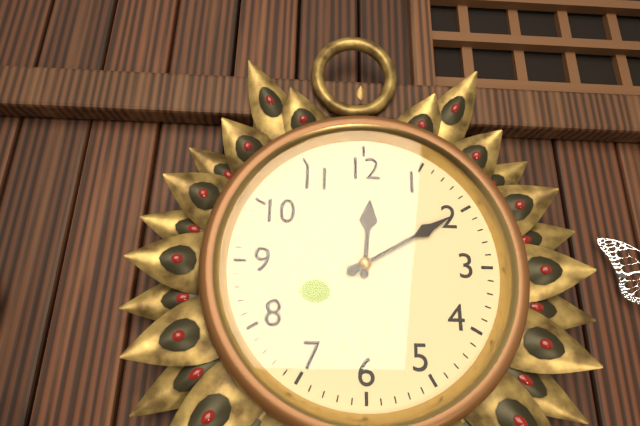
12:10
